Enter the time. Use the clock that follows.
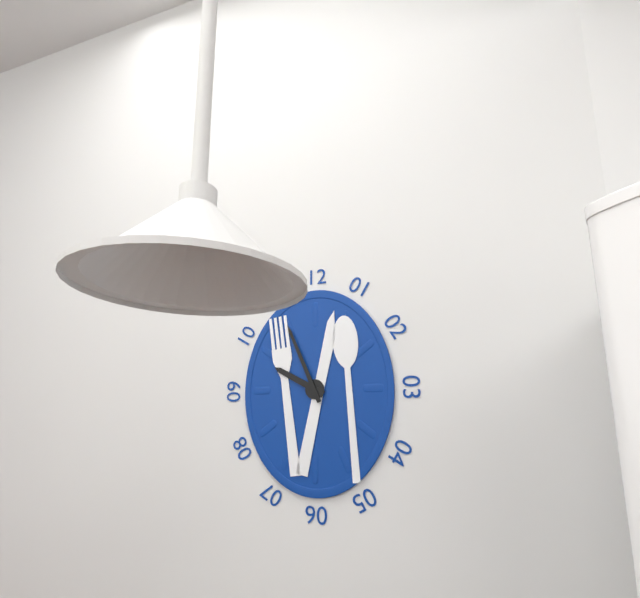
9:56
